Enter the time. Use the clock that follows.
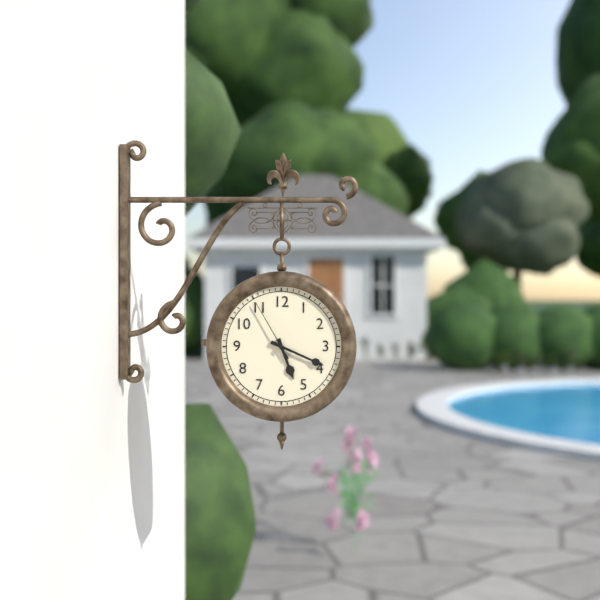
5:19:55
